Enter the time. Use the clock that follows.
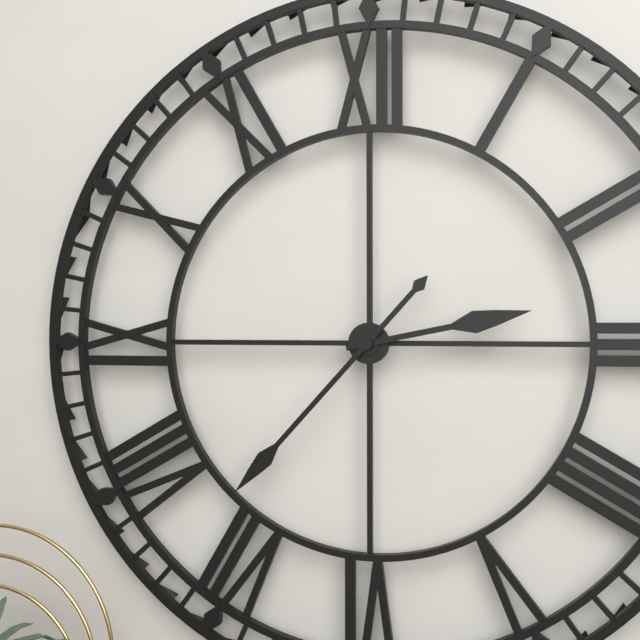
2:37
